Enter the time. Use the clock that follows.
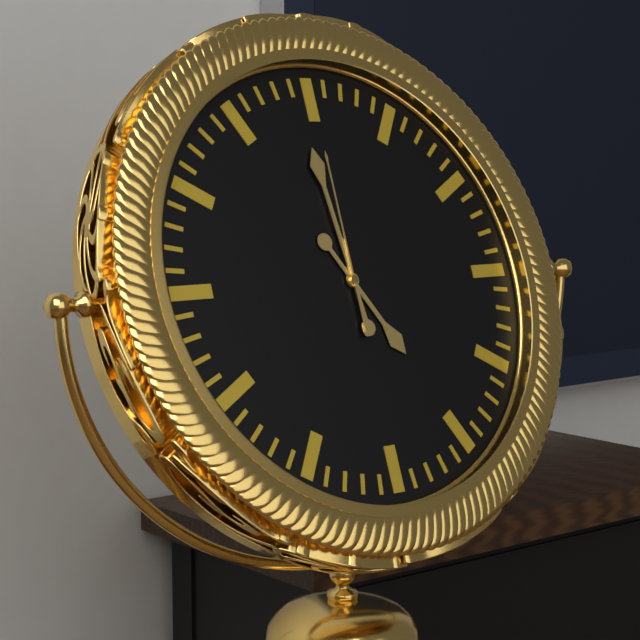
4:59:00
